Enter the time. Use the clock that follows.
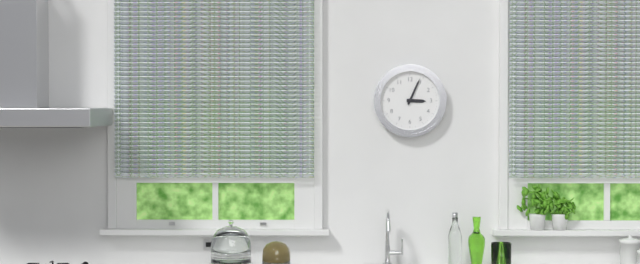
3:04
